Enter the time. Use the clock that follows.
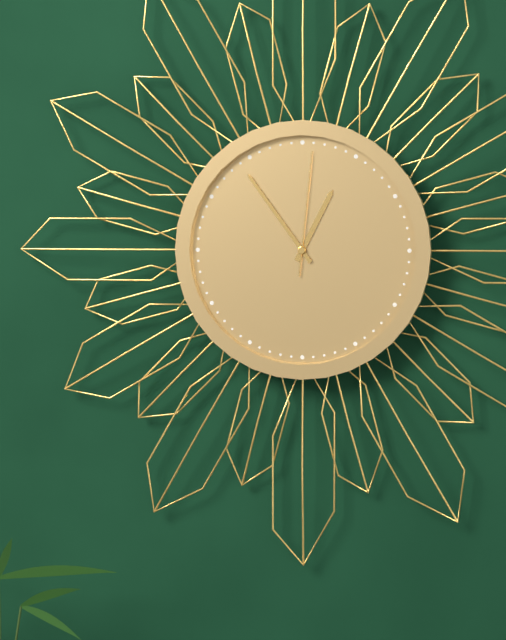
12:54:01
